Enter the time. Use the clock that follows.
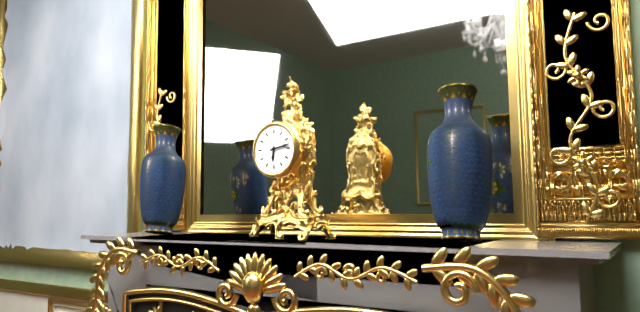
6:13
